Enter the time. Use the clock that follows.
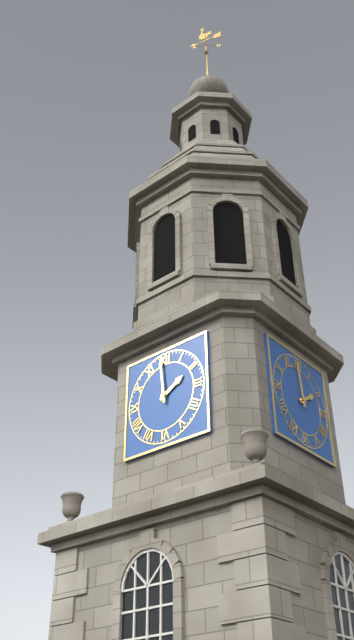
1:59
